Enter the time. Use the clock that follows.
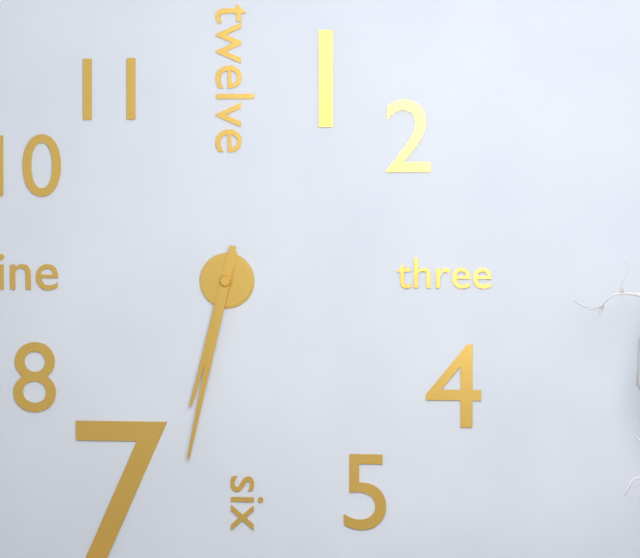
6:32
